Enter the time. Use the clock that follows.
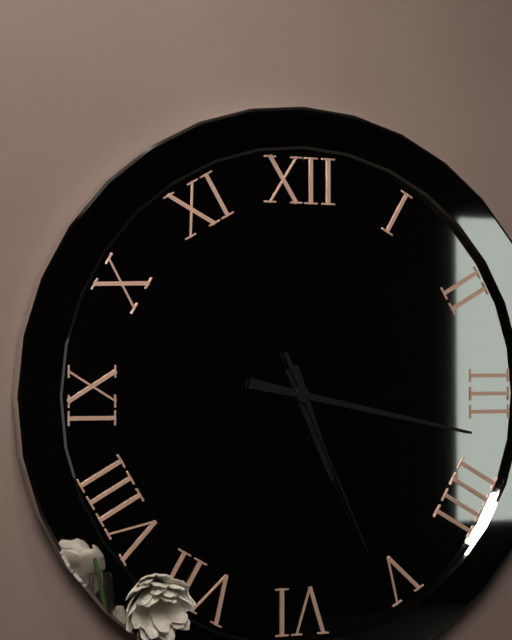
5:17:26
